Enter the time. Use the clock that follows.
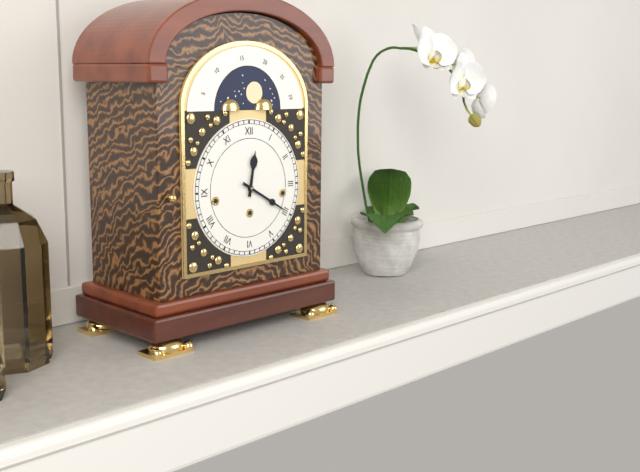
12:20
